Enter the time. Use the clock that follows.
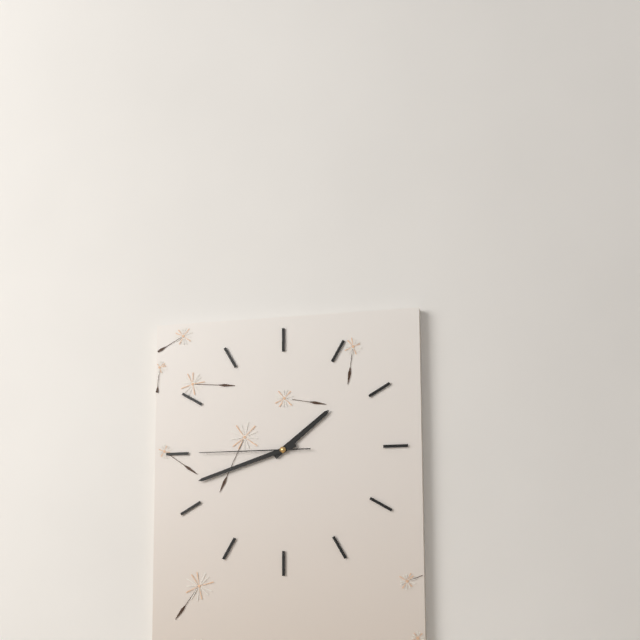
1:42:45
